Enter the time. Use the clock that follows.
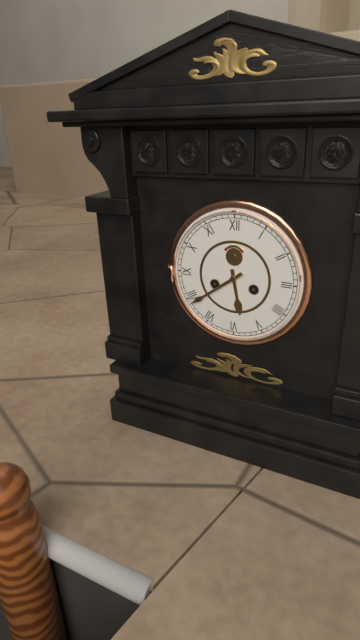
5:39
